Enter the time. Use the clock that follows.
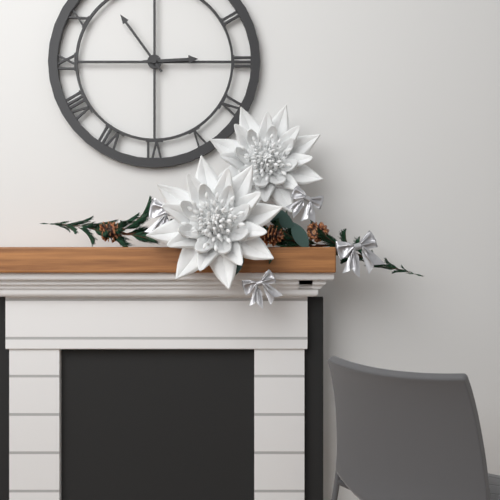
2:54
